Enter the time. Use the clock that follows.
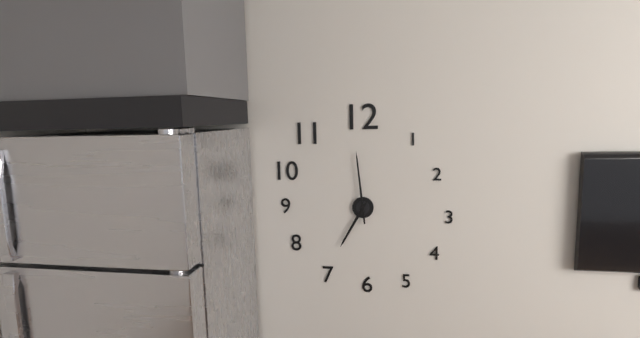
6:59
